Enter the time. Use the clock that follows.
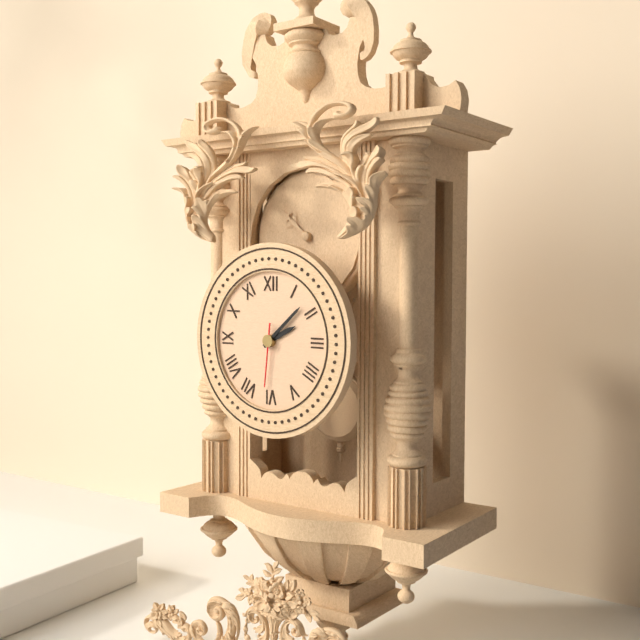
2:08:31
